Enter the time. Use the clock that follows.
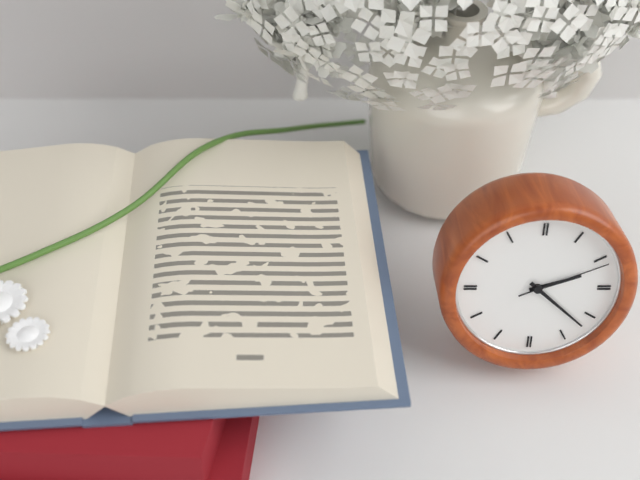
2:22:11
